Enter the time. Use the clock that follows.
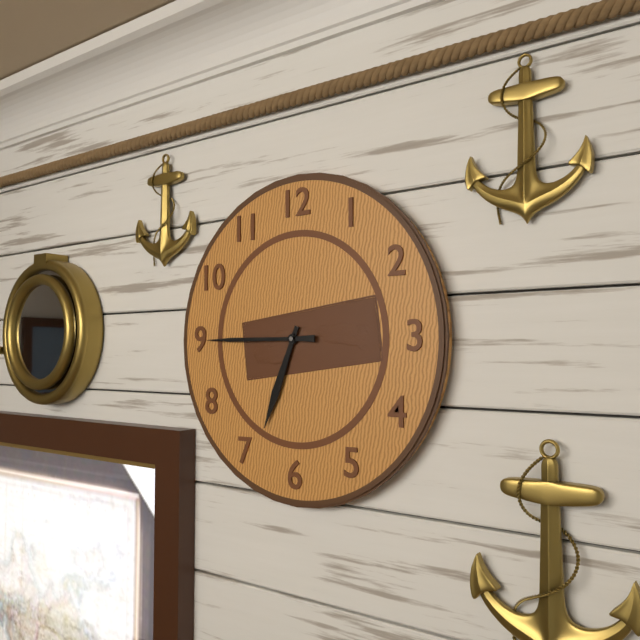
6:45
